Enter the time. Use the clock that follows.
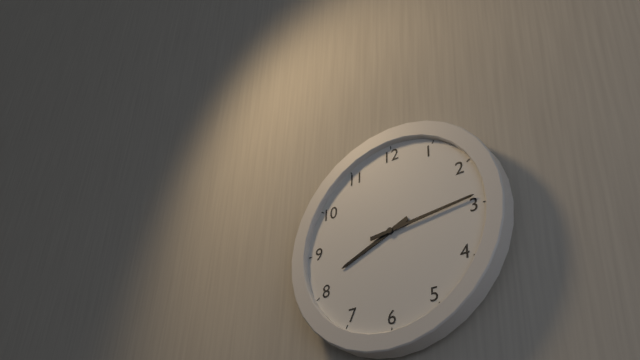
8:14
